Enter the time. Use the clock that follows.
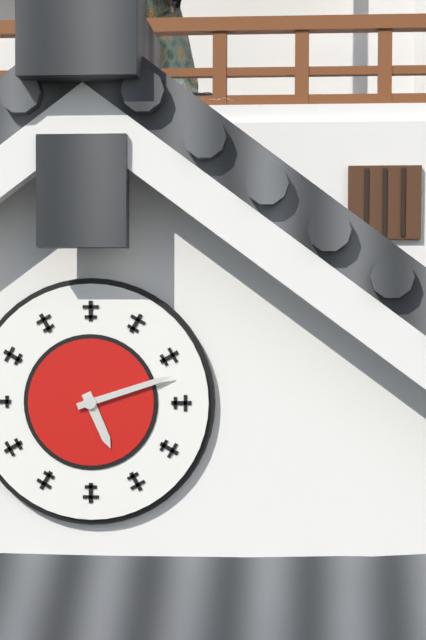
5:12
